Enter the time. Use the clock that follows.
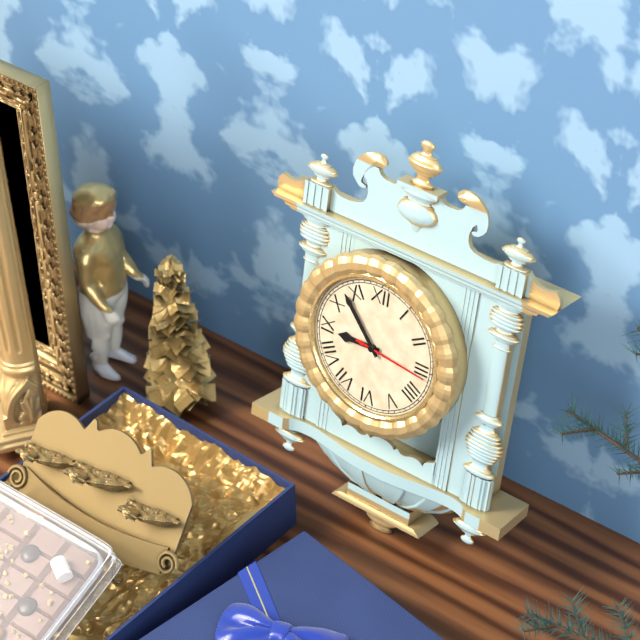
8:53:16
